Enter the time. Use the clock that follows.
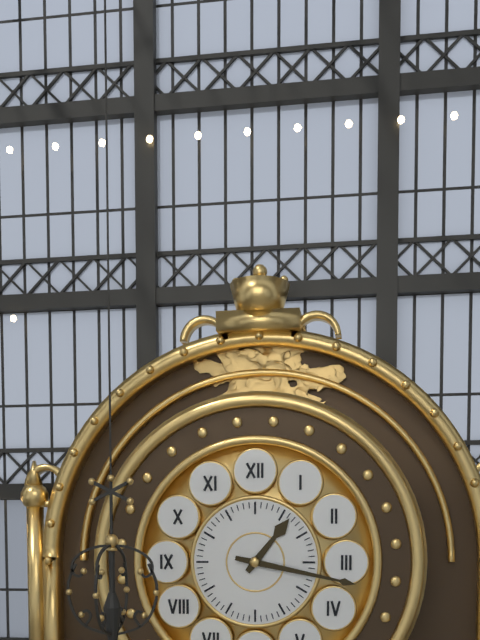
1:17
